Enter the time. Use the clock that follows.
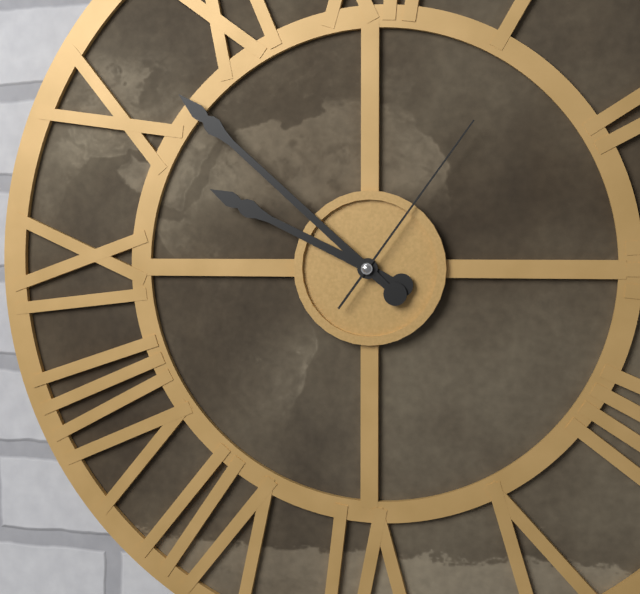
9:52:06
